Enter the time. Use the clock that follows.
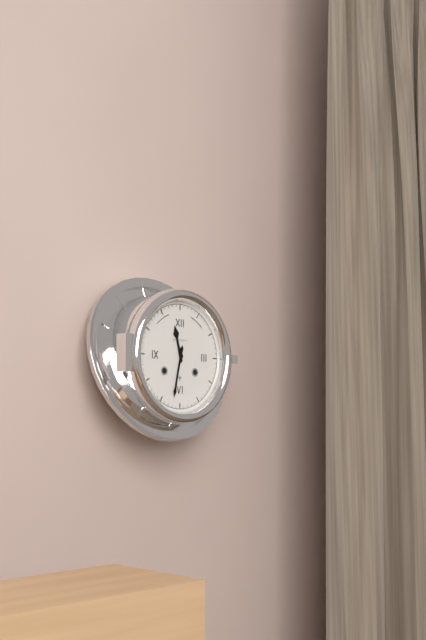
11:32
